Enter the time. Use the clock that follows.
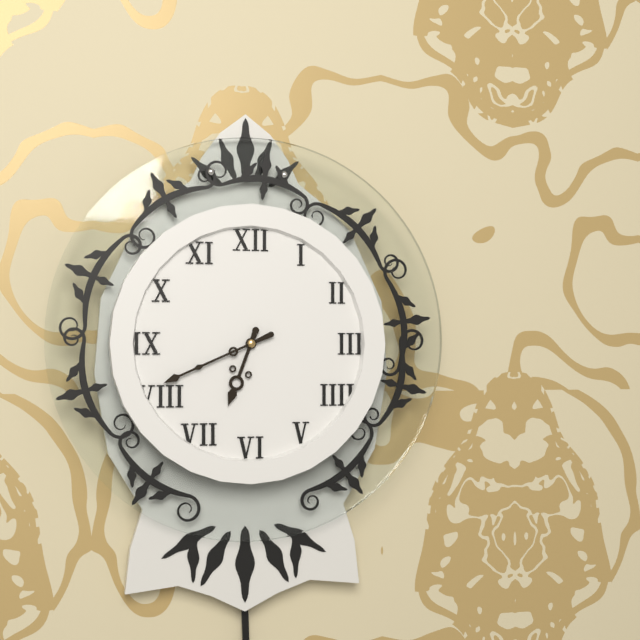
6:41
